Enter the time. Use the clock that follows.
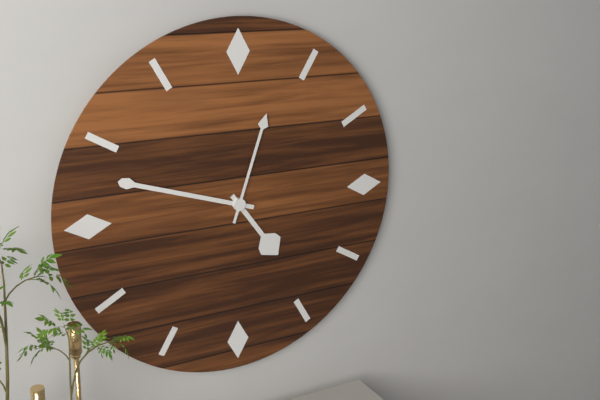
4:48:03
